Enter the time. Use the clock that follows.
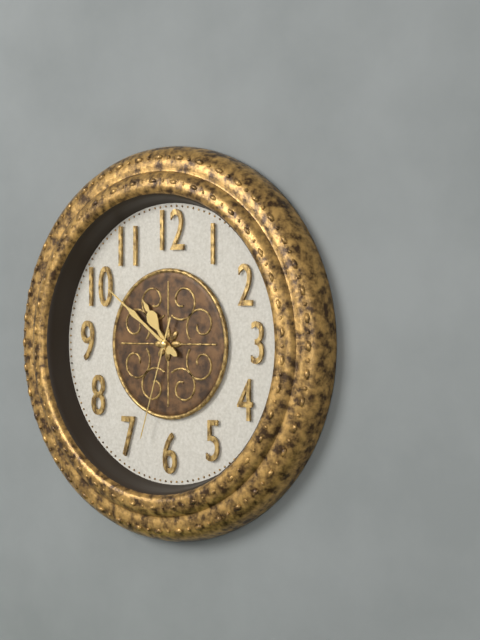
10:51:33
